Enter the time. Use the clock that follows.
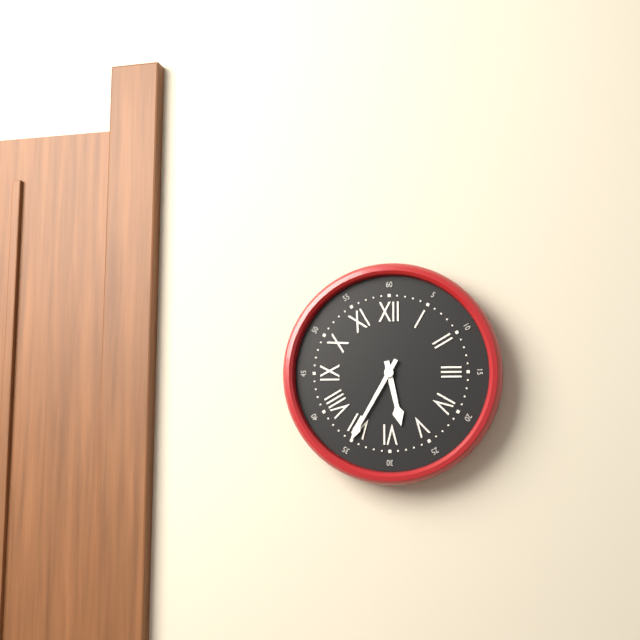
5:35
